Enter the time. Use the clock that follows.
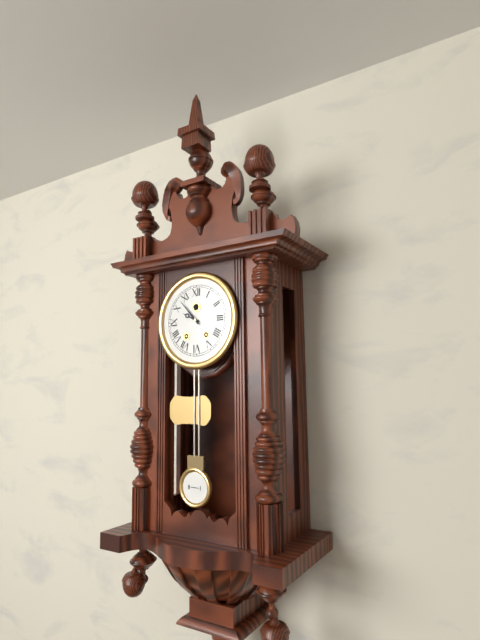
9:53
